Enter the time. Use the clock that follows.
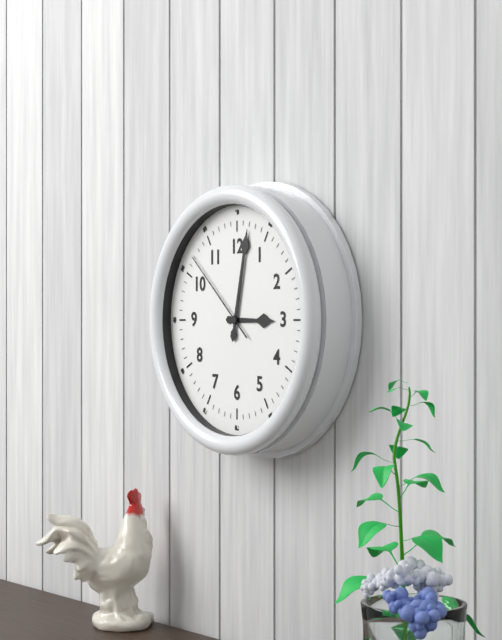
3:02:52
